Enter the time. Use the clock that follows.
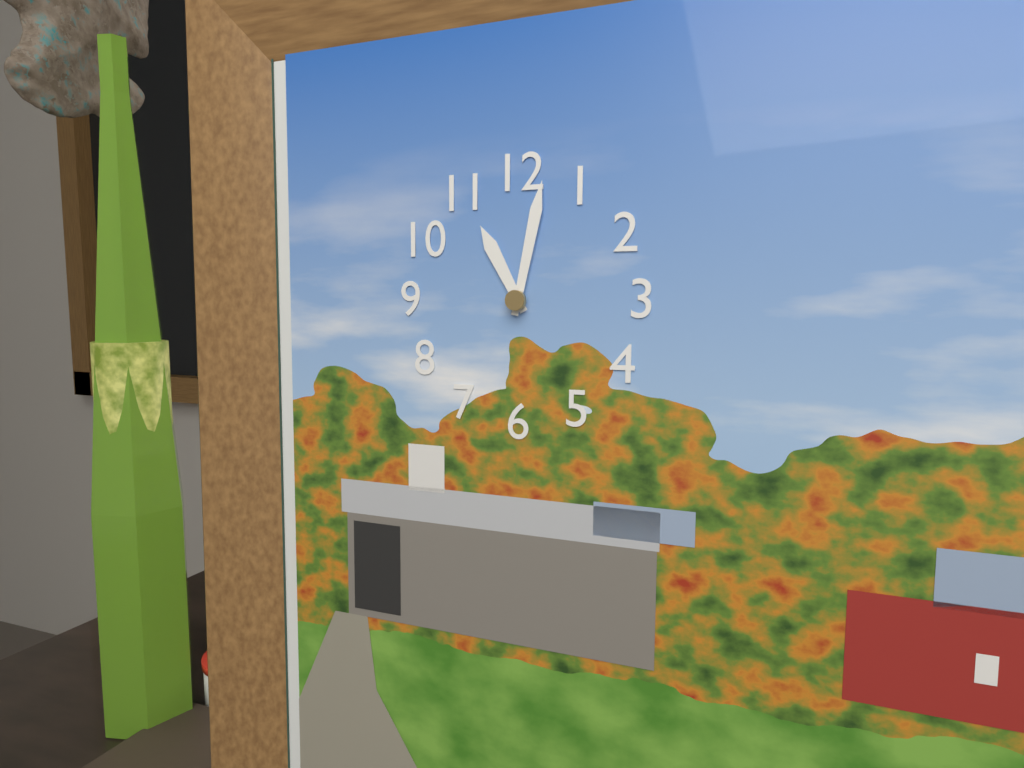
11:02
